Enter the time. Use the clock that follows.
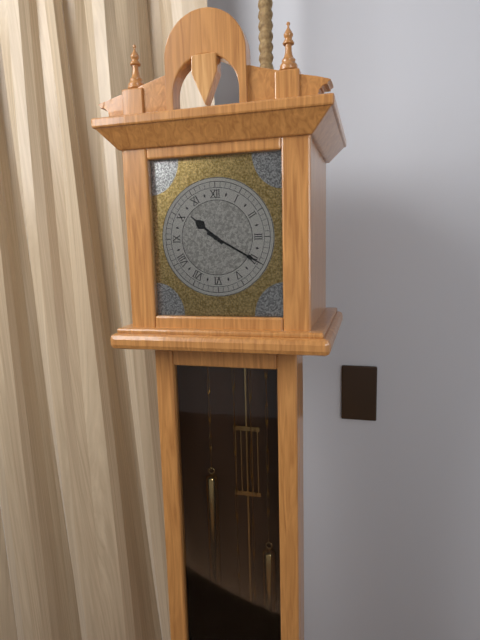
10:20
